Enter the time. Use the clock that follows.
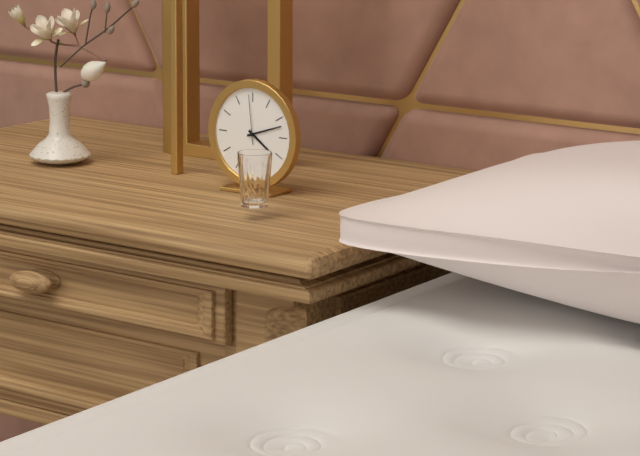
4:12:59
